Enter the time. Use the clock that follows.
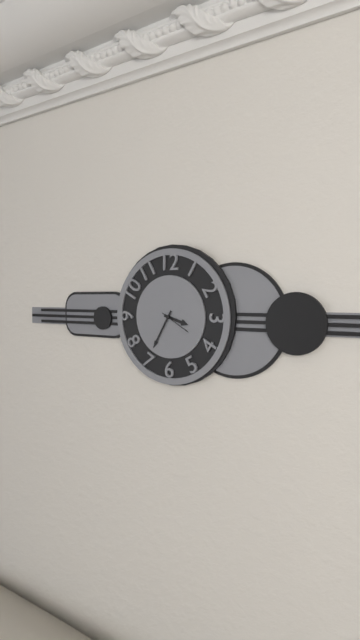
3:35
